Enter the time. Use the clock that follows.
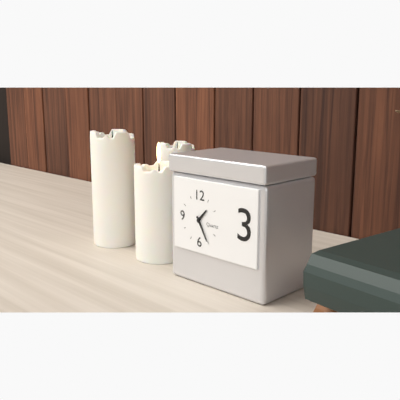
1:25
